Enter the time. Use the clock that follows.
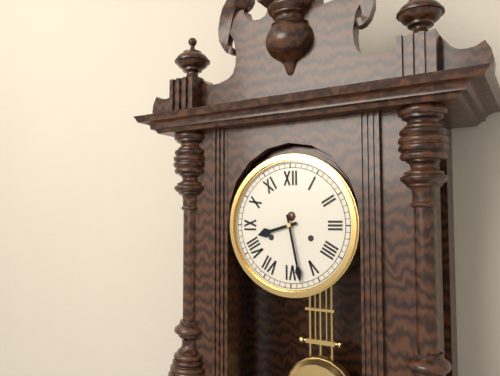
8:28
